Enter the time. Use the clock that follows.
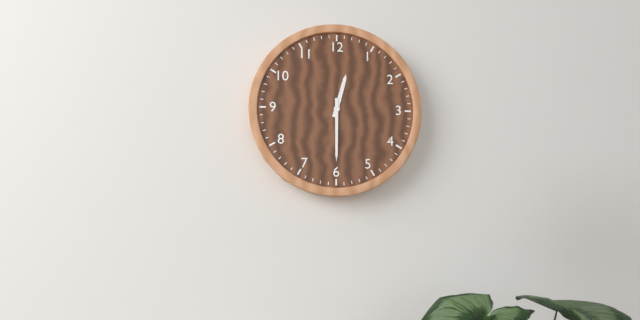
12:30
